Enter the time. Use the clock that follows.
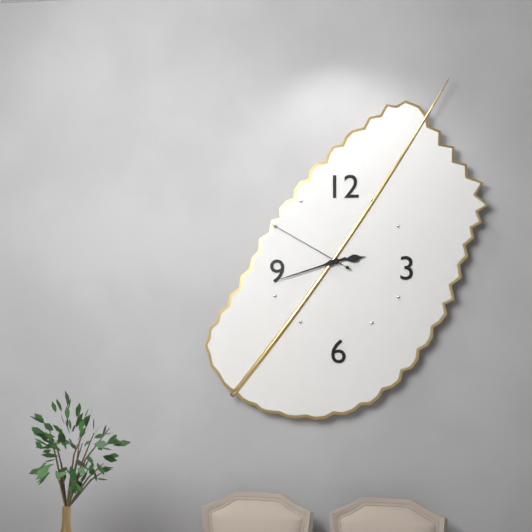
2:42:50
